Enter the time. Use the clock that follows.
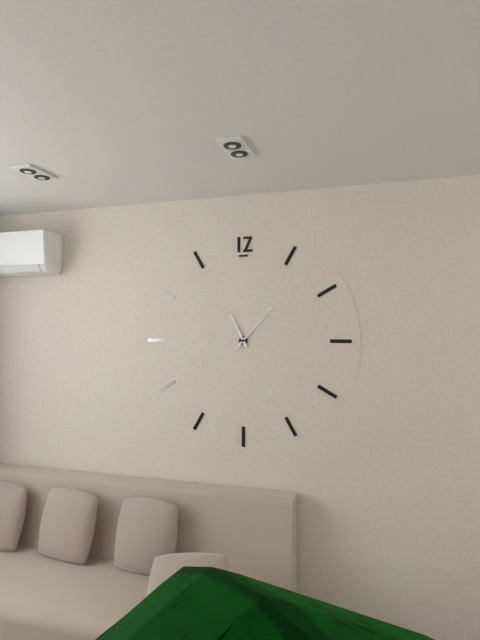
11:07
